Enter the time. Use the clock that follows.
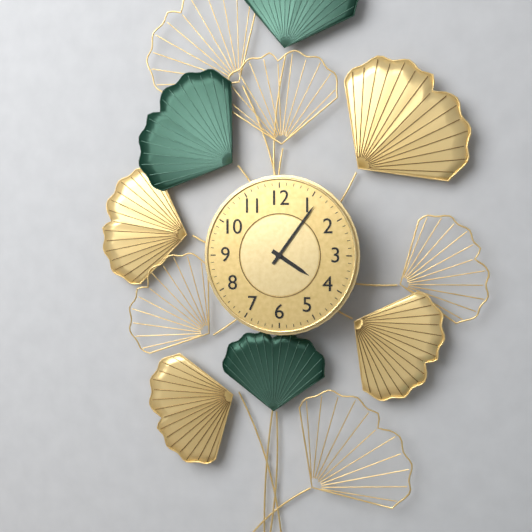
4:06
